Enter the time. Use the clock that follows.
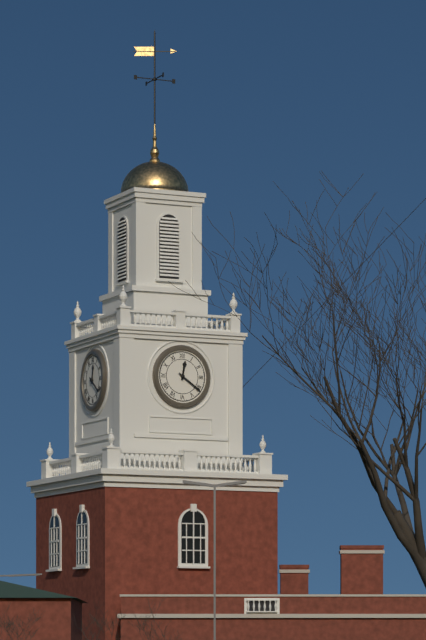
12:21
